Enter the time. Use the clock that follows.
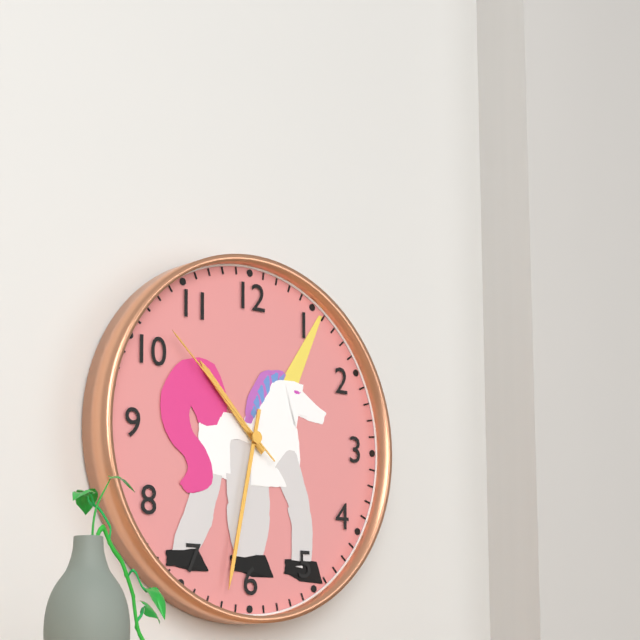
10:32:52
